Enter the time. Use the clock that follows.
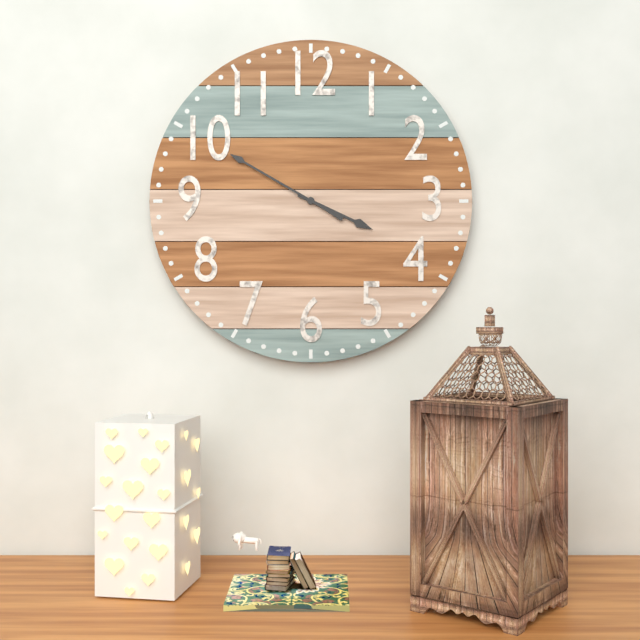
3:50
